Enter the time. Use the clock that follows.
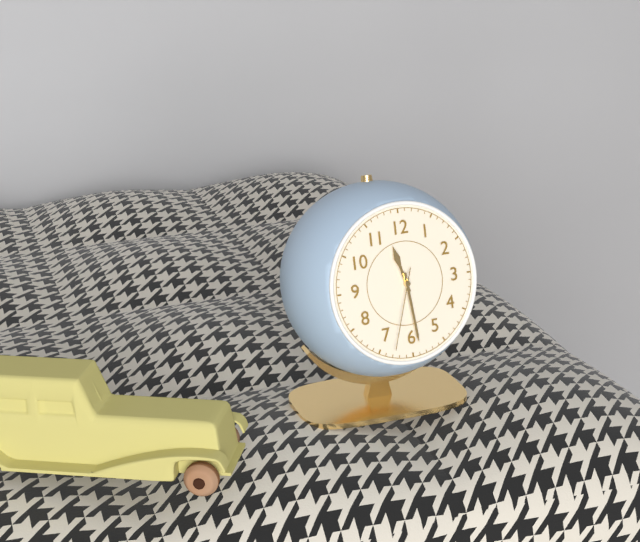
11:29:33
